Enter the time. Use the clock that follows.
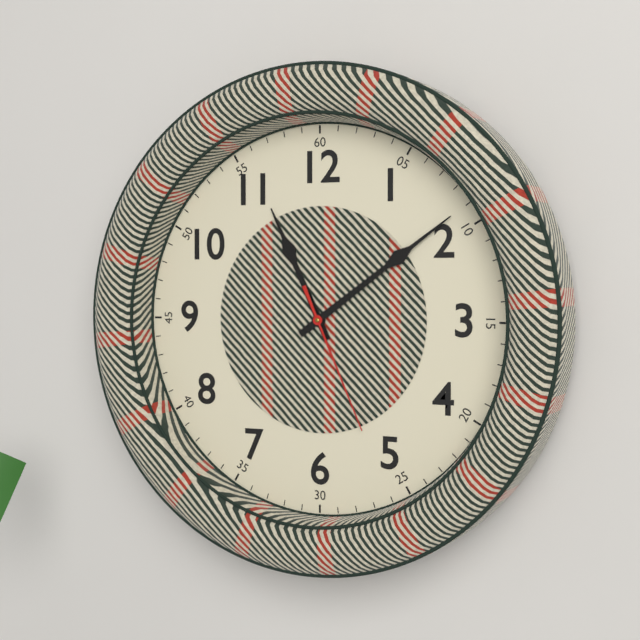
11:09:26
